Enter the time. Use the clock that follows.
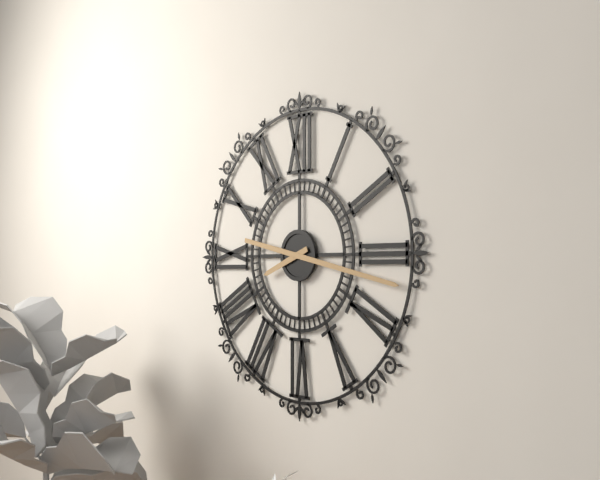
8:17
